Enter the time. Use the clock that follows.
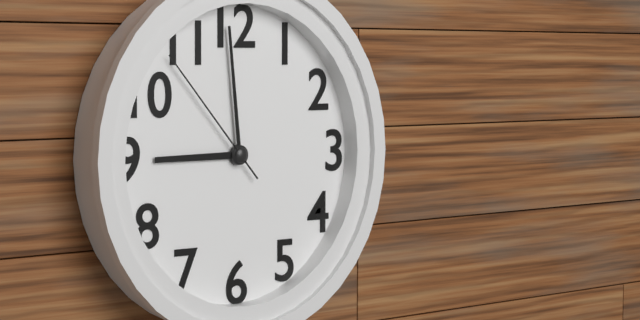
8:59:53
